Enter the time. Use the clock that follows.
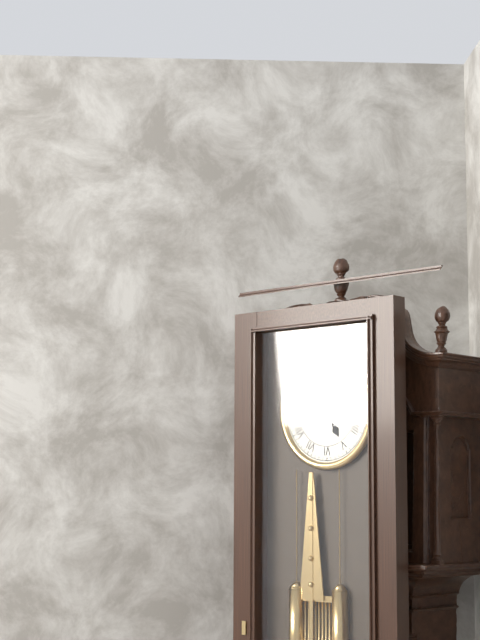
5:03
